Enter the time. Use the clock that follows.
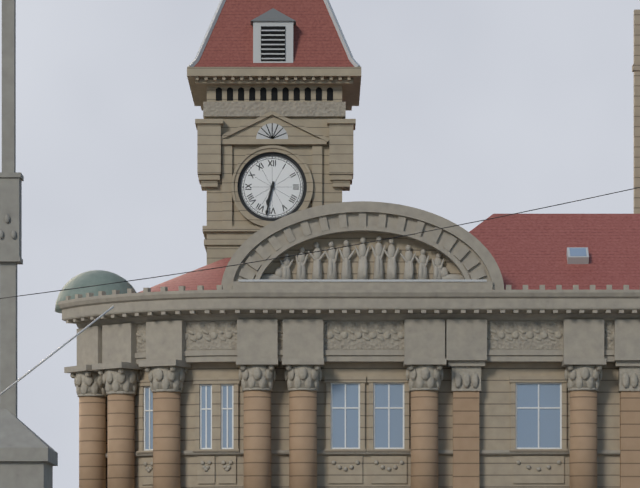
6:32
